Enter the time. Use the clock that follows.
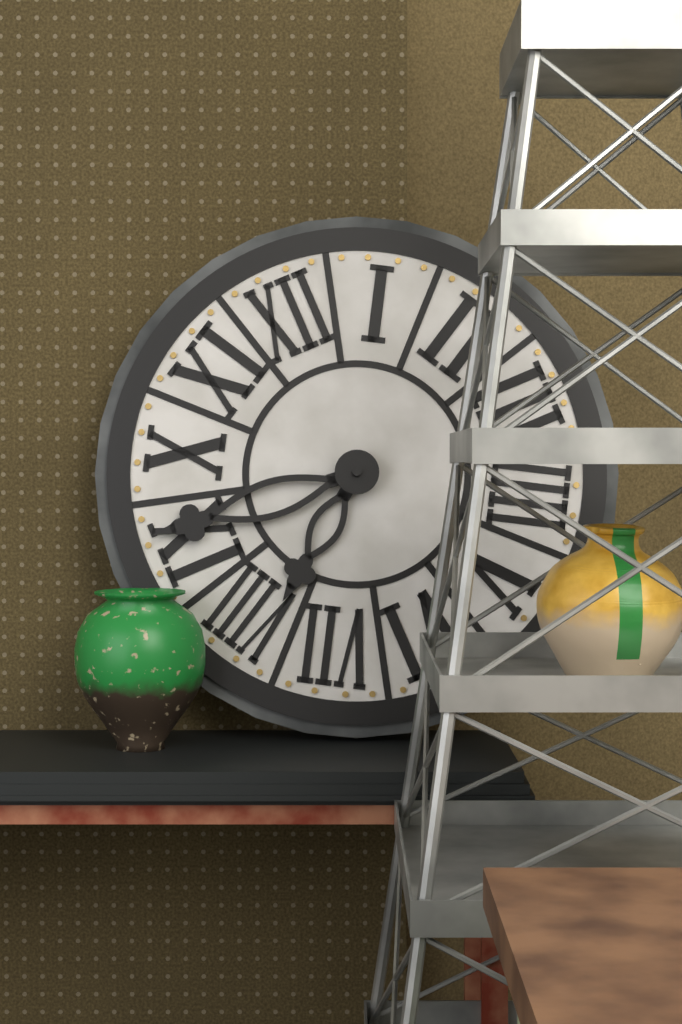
7:46
